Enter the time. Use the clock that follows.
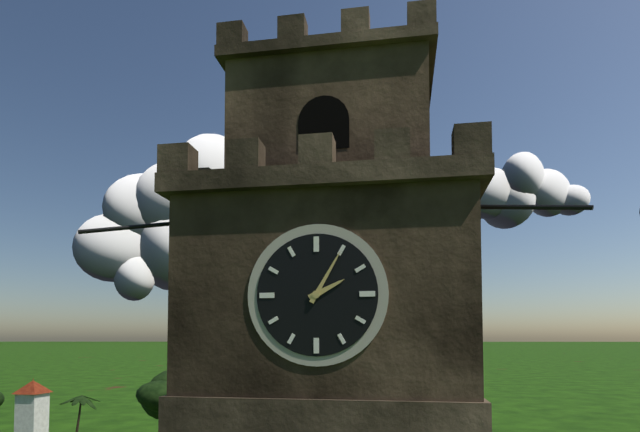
2:05
